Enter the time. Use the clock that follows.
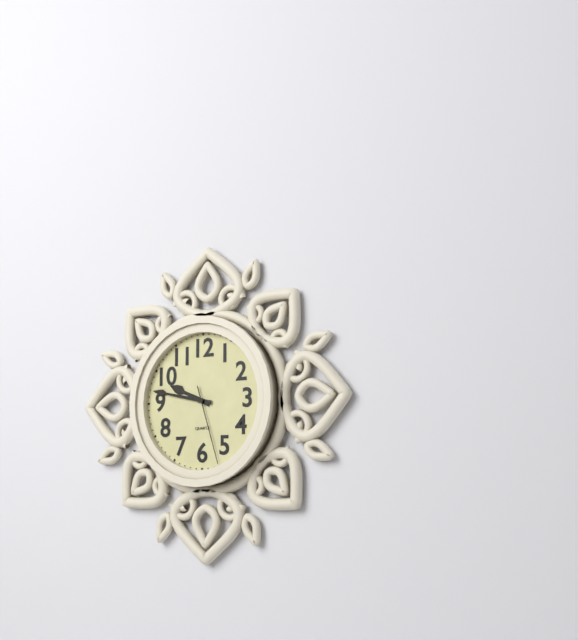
9:47:27
